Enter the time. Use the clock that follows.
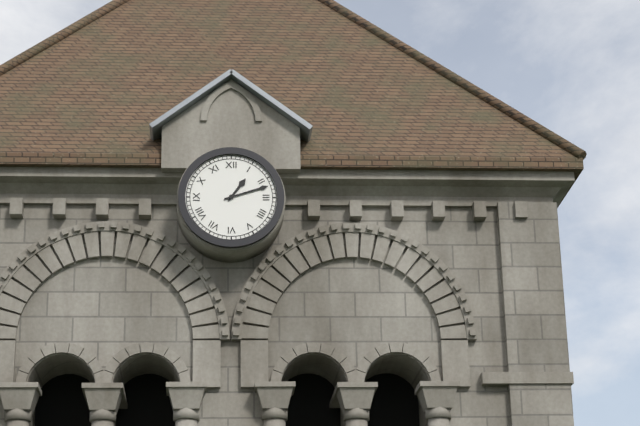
1:12
